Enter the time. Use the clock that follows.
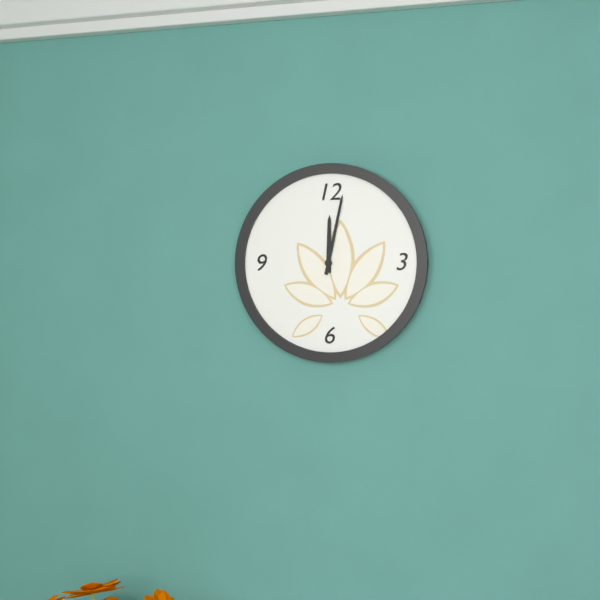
12:02
